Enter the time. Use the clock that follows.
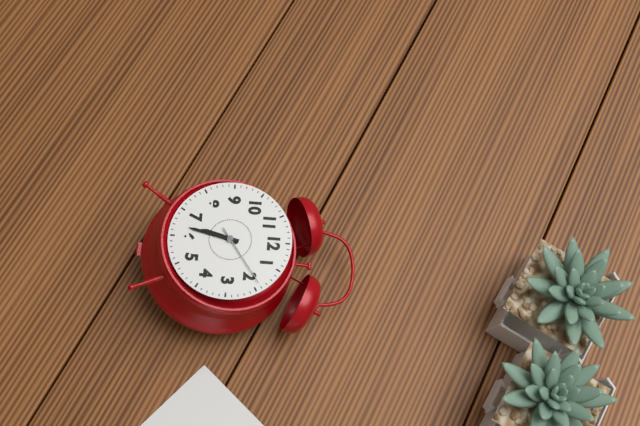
6:32:09
